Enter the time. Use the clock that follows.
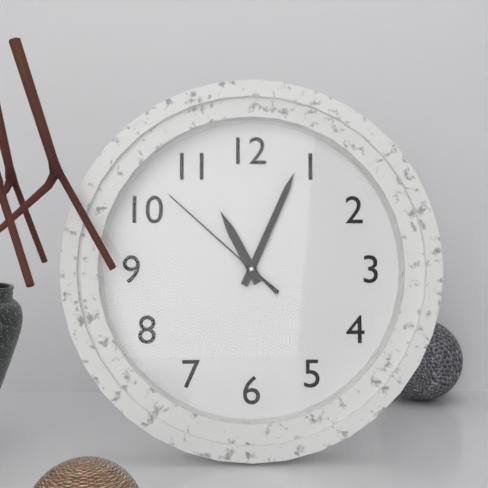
11:04:52
